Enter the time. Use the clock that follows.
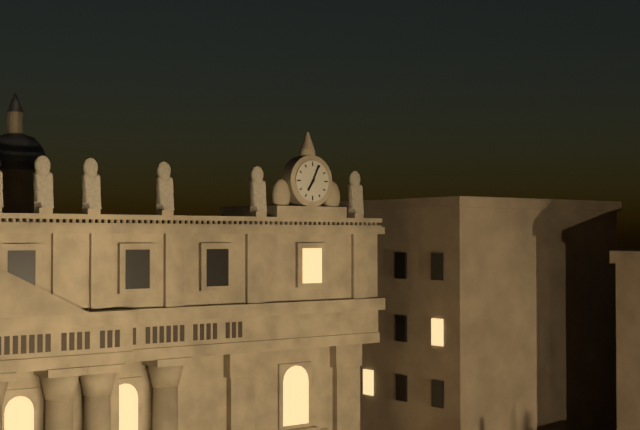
7:04
